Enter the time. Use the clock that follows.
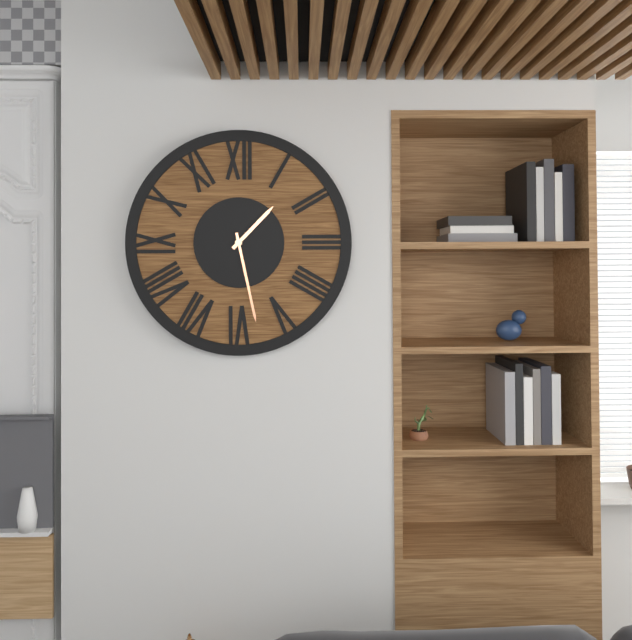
1:28
